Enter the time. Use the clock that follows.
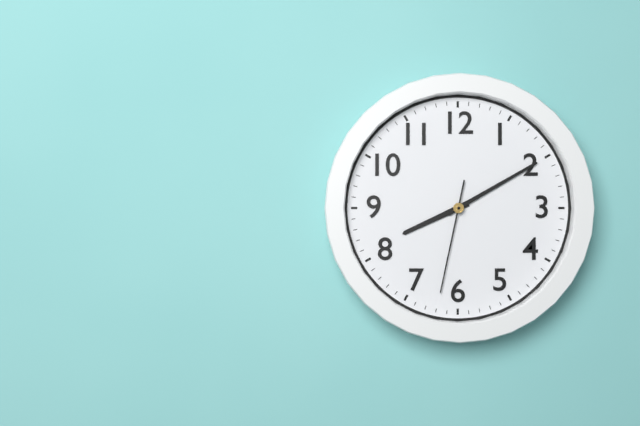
8:10:32
